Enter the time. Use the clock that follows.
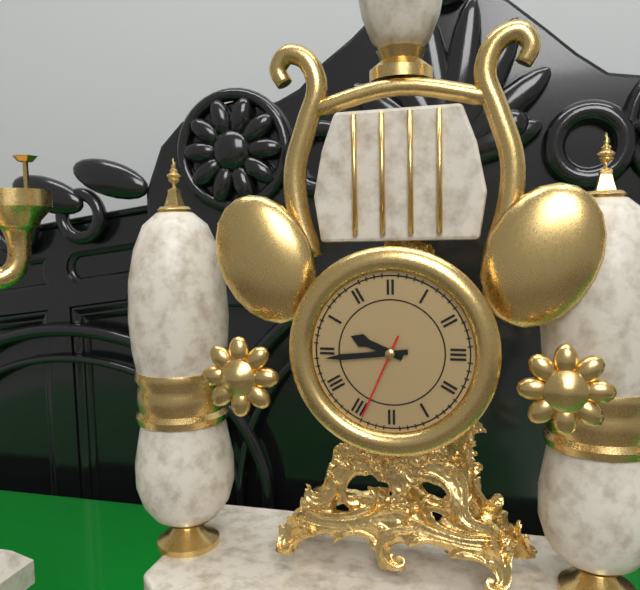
9:44:34
